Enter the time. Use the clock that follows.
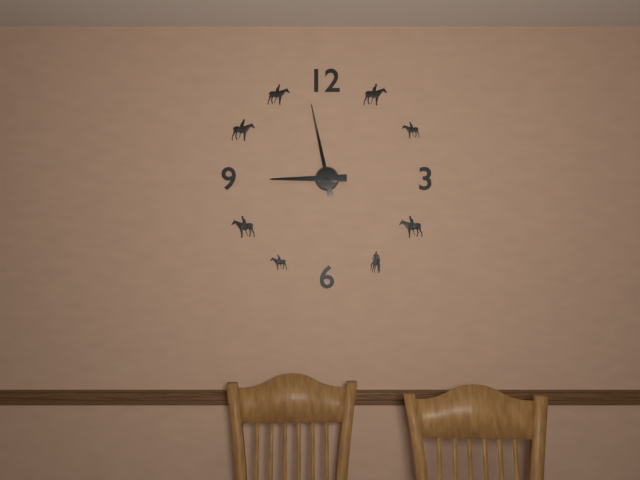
8:58
